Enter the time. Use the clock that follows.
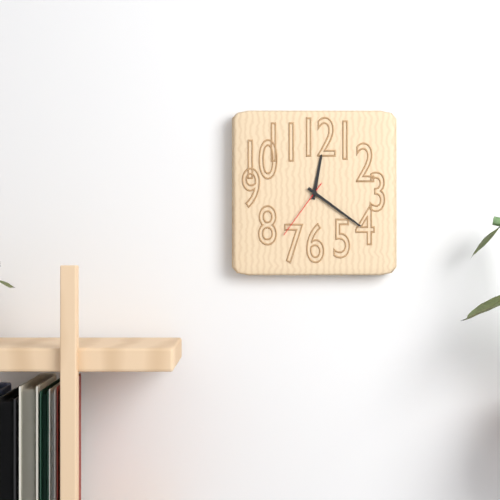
12:21:36
